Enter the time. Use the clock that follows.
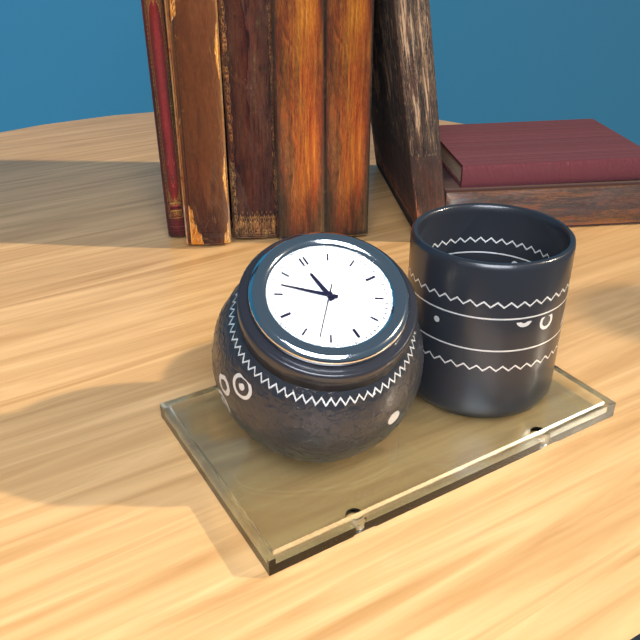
11:52:37
